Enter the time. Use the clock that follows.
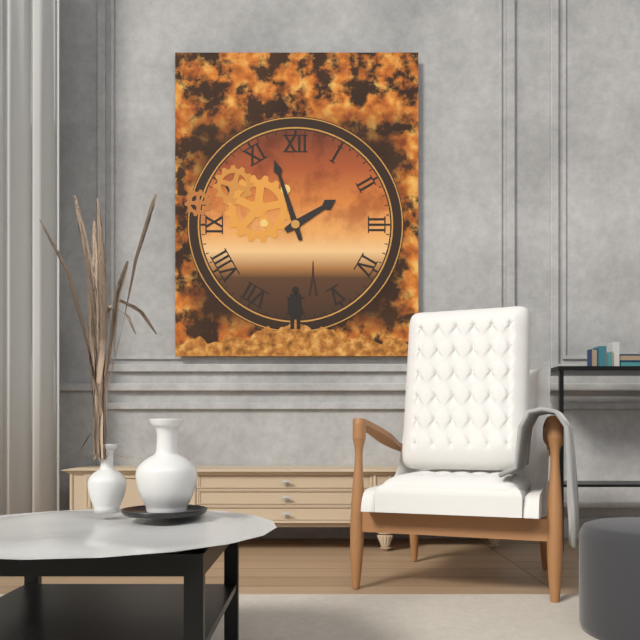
1:57
